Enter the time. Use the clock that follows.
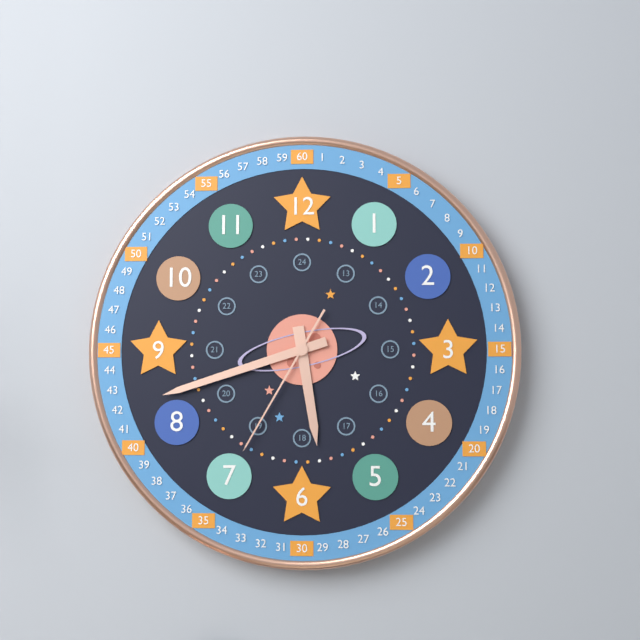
5:42:35
